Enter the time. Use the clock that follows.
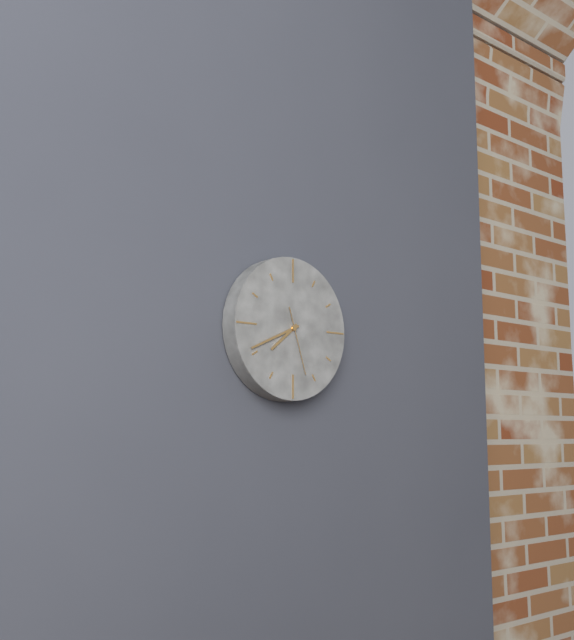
7:41:27
